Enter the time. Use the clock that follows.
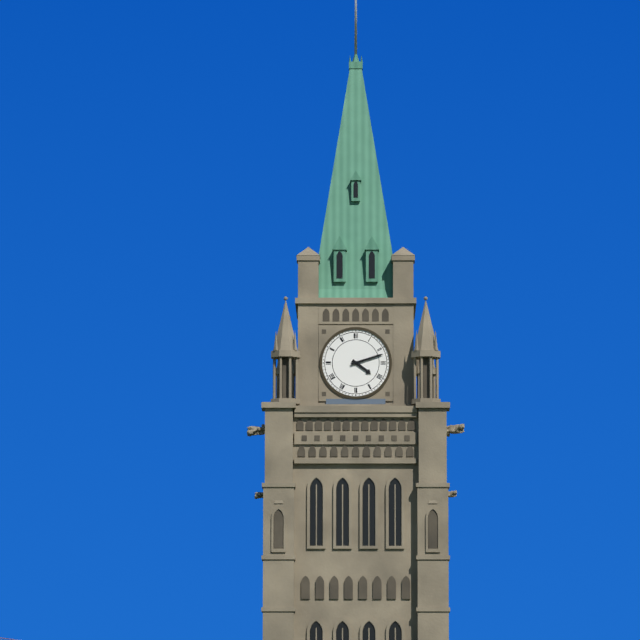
4:12
